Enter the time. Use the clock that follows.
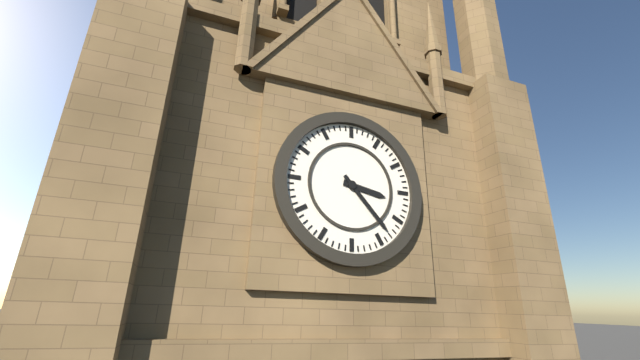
3:23
